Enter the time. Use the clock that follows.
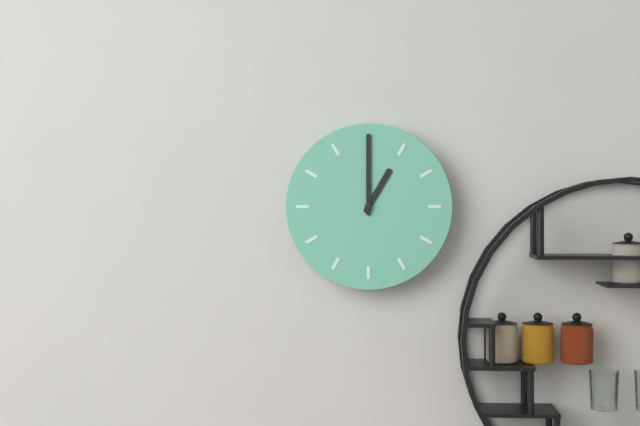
1:00
